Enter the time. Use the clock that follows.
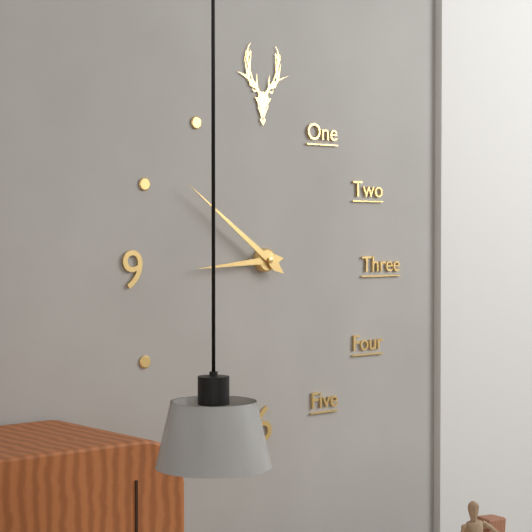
8:51
